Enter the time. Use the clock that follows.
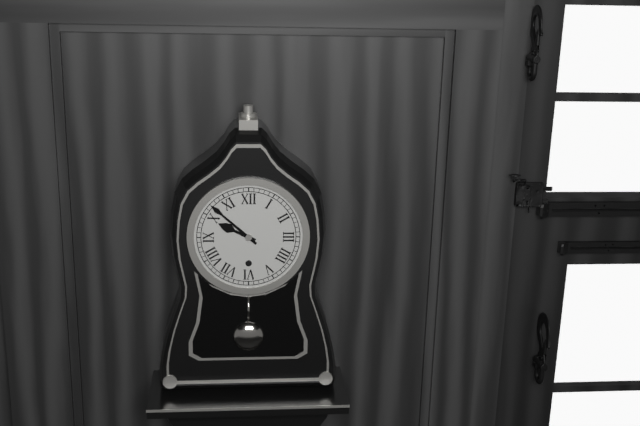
9:52
